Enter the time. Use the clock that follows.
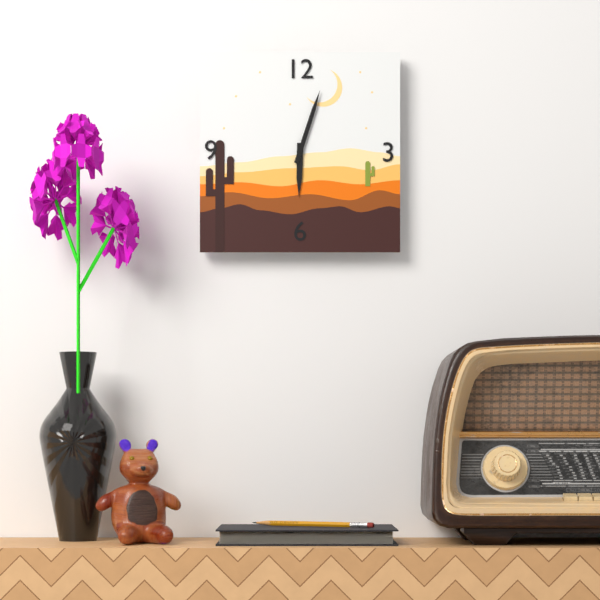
6:03
